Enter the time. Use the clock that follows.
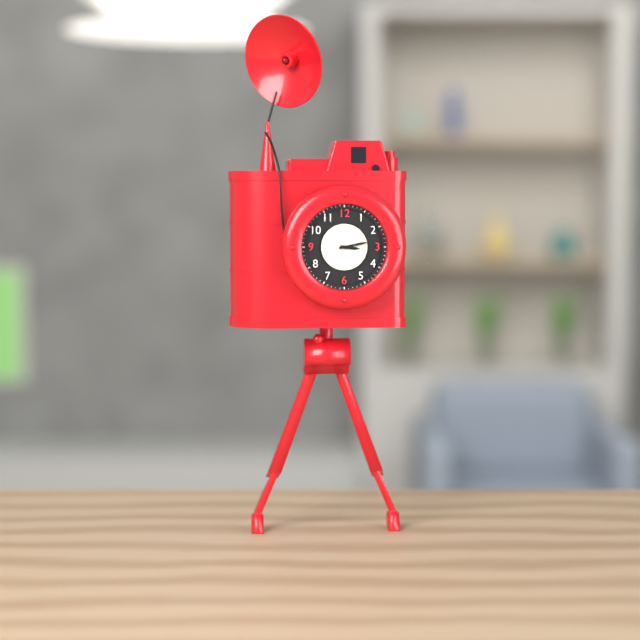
3:13
